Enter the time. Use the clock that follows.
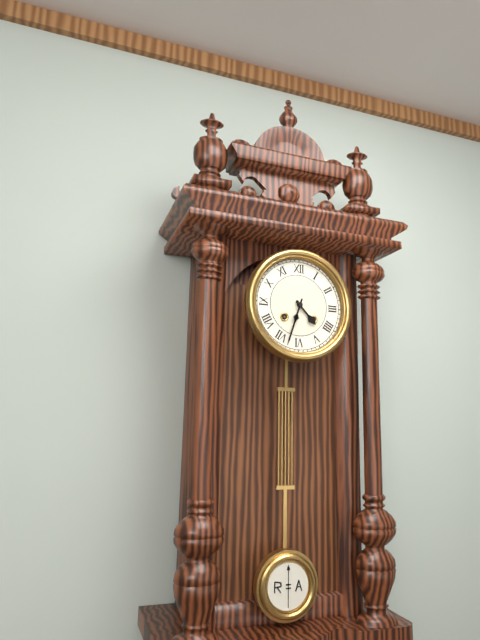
4:33
